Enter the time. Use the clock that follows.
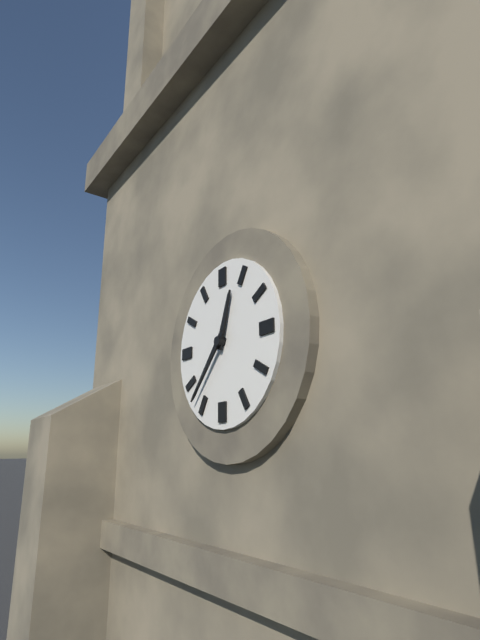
12:37
